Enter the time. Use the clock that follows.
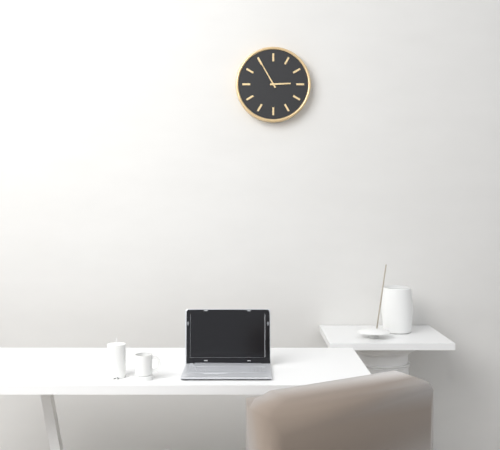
2:55
